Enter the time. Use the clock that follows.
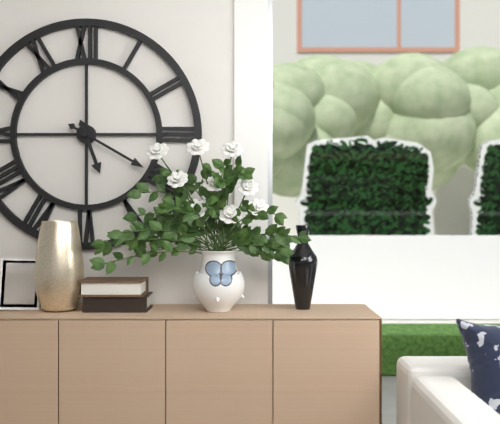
5:20
